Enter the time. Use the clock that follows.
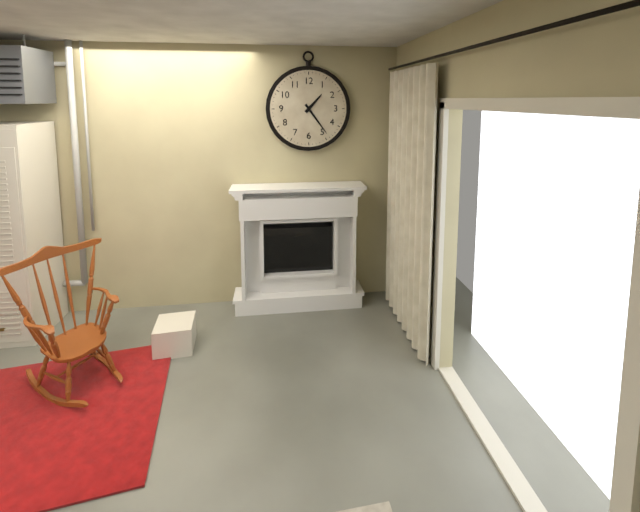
1:24
